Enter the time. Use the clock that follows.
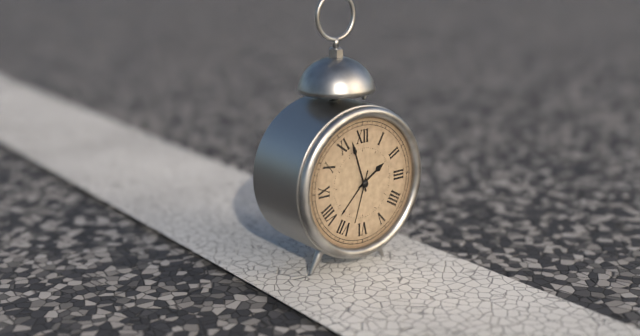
1:57:33
